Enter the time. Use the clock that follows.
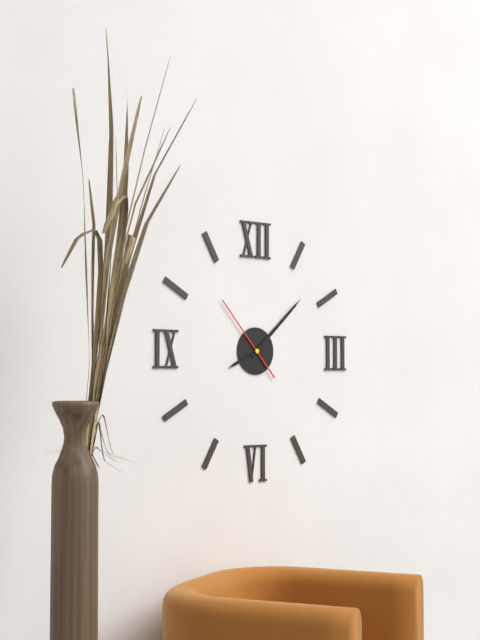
8:08:53
